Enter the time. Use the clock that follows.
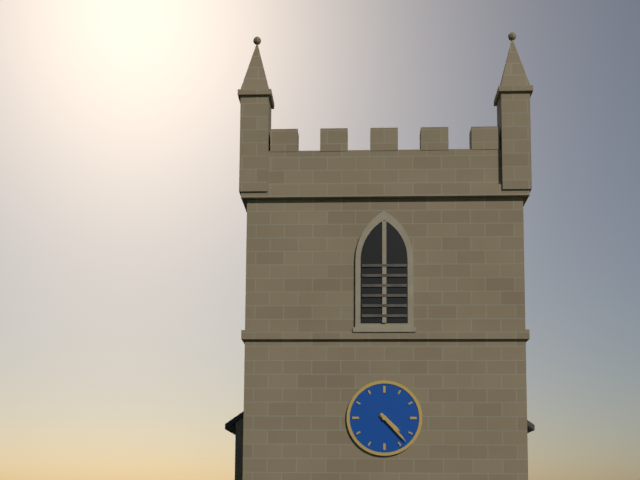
4:23
